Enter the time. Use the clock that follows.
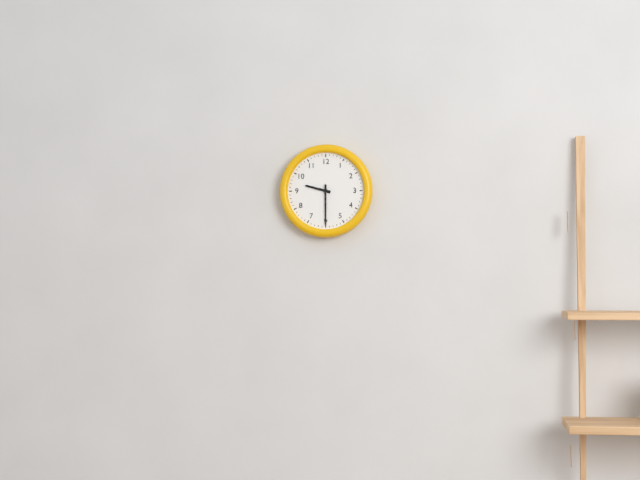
9:30
